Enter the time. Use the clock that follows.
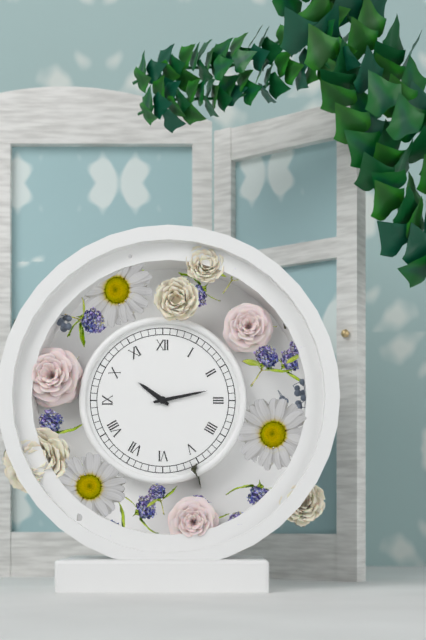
10:13
